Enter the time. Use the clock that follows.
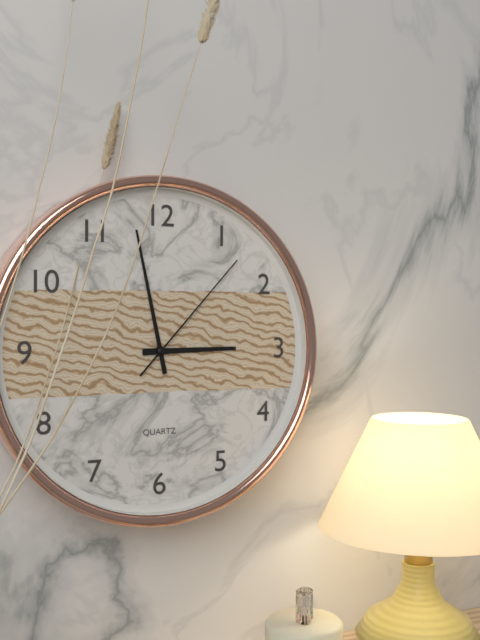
2:58:07
